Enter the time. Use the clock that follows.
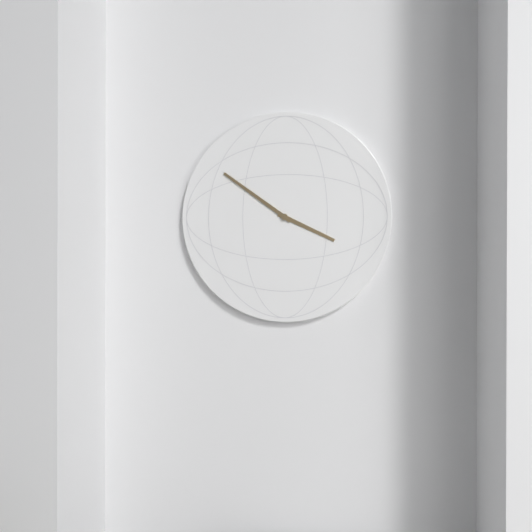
3:51
